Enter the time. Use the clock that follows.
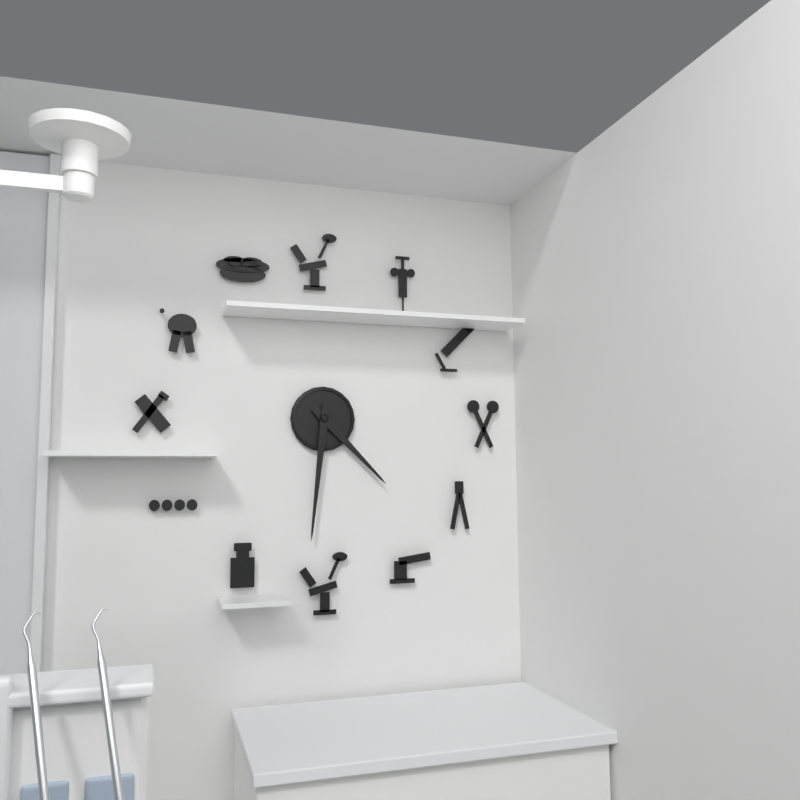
4:31
